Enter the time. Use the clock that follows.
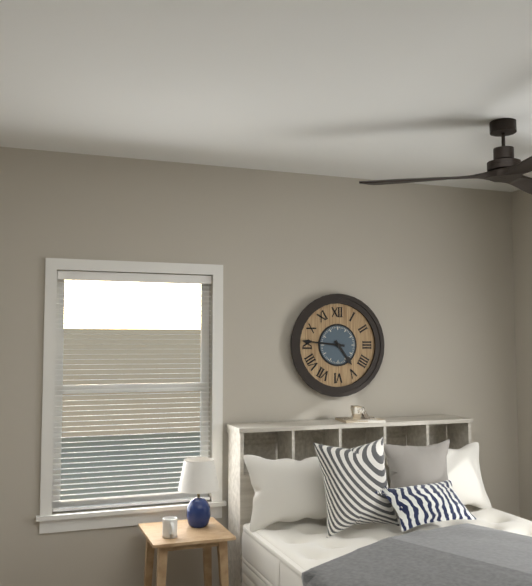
4:46
